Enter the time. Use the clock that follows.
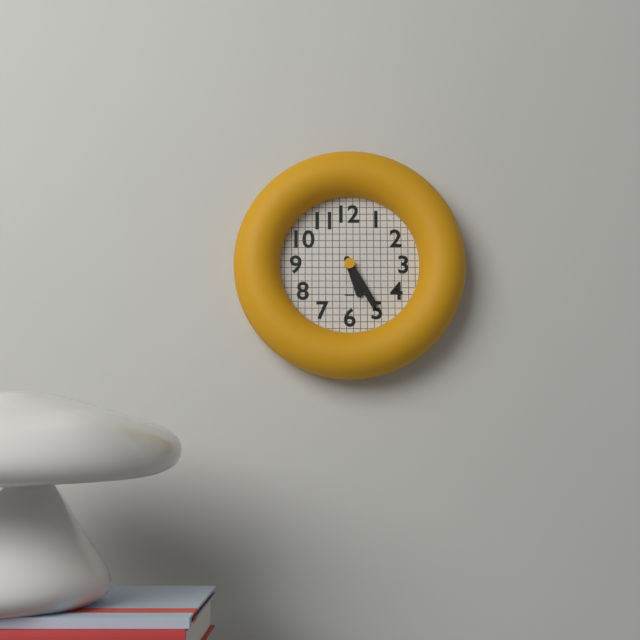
5:25
